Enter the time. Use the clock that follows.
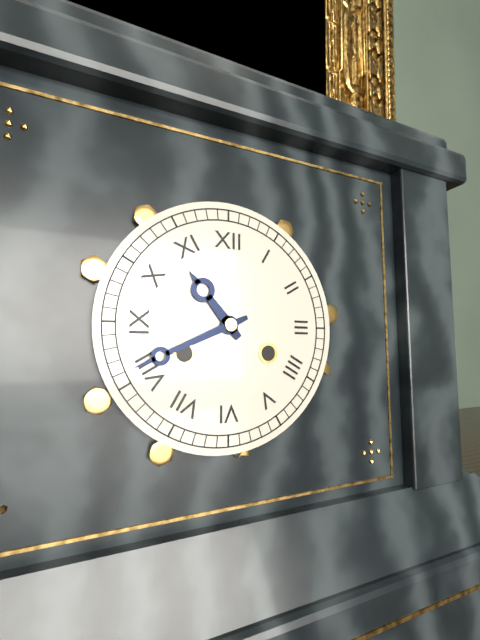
10:41
